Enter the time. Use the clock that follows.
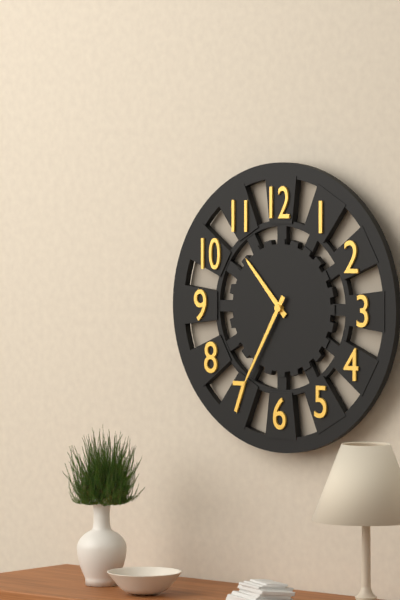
10:35
